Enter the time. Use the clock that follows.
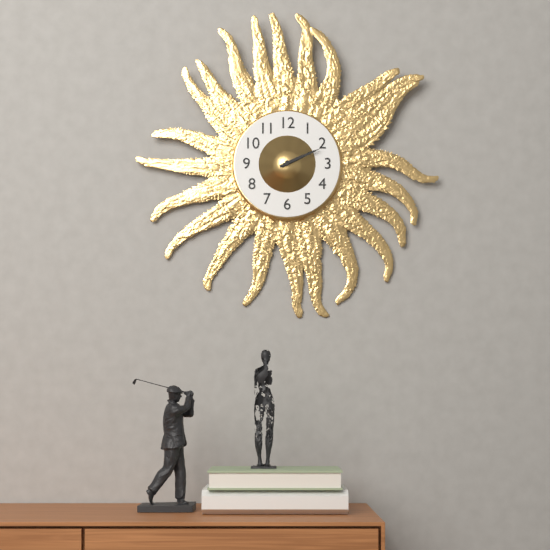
2:11
